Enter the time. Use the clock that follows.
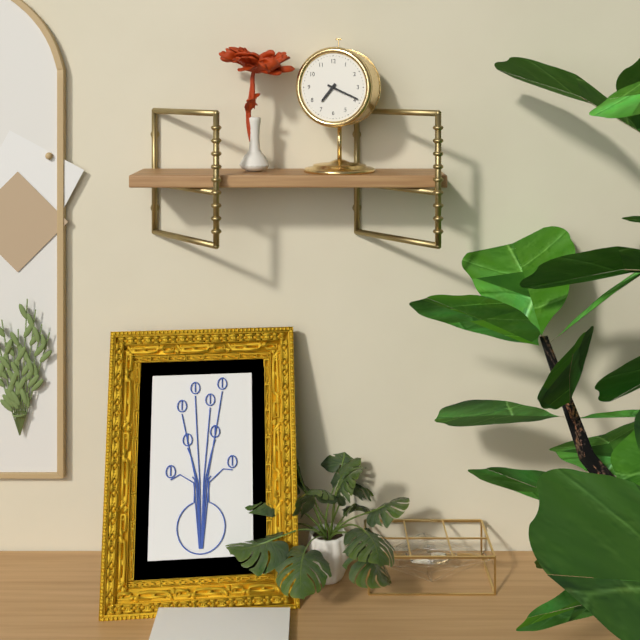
7:19
